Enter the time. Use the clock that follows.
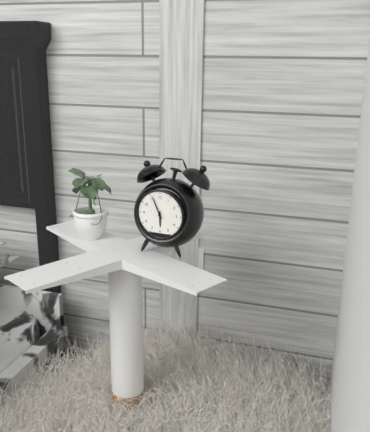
5:56
